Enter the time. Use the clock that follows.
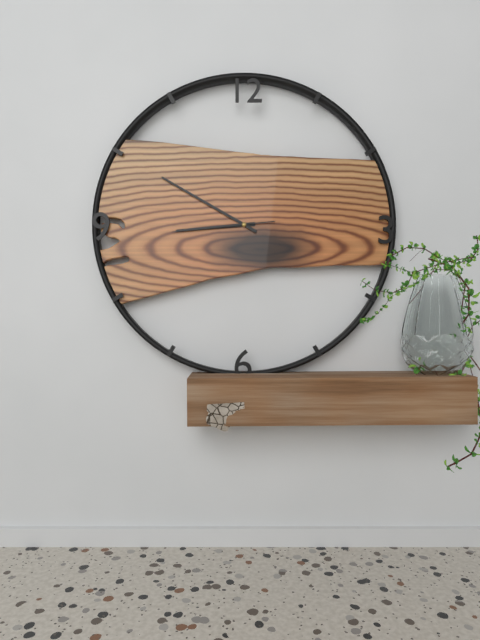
8:50:44
